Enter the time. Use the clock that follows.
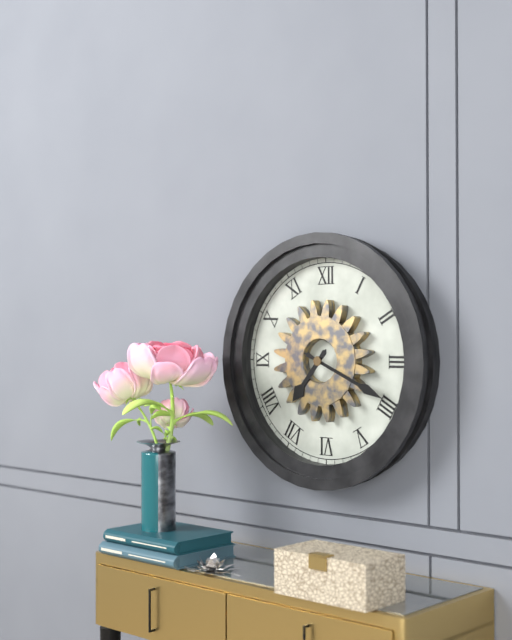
7:19
